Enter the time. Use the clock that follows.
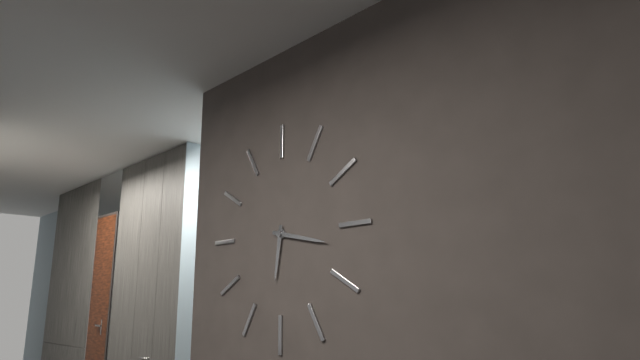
6:17
